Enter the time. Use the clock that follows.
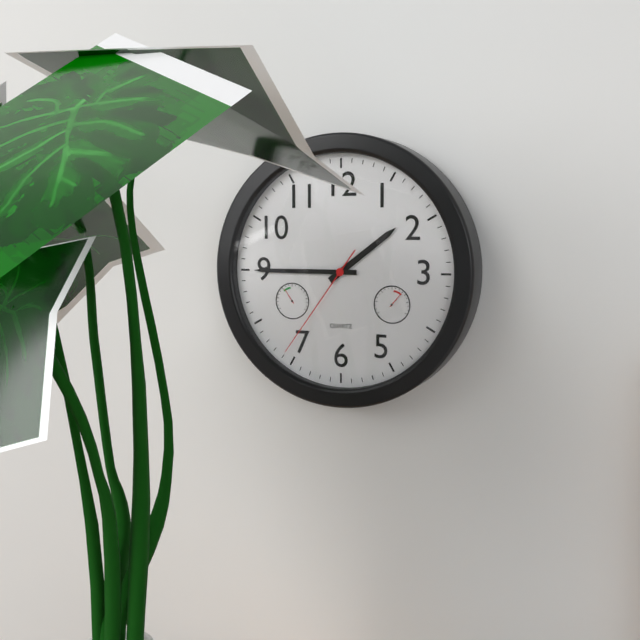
1:45:36
